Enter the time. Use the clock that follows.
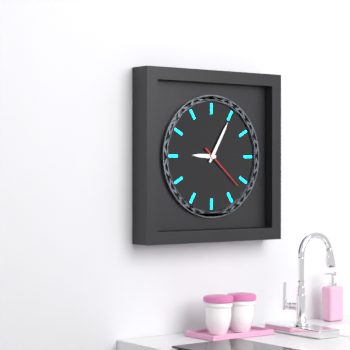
9:05
